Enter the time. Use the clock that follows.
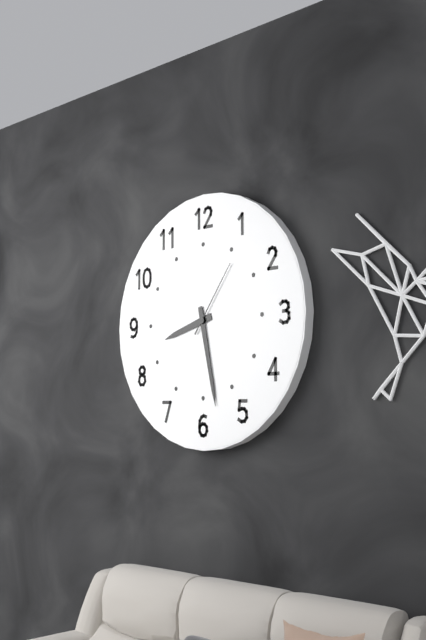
8:28:06
